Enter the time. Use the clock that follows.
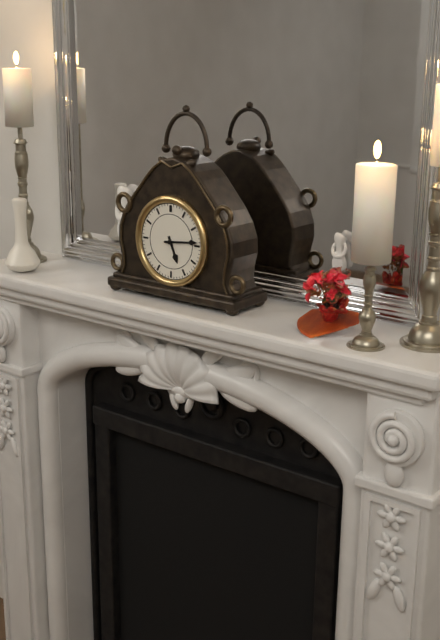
5:14
